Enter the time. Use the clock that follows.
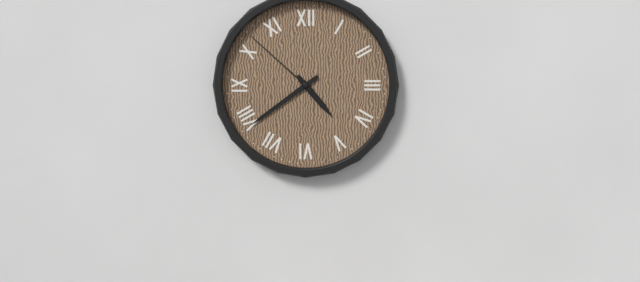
4:39:52
